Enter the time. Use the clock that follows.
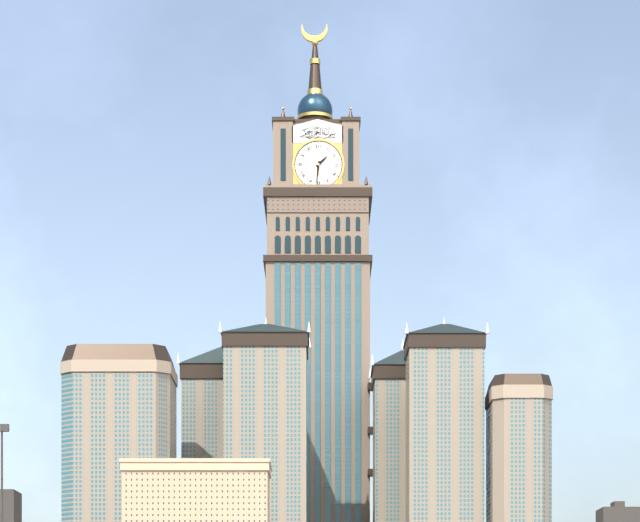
1:31
